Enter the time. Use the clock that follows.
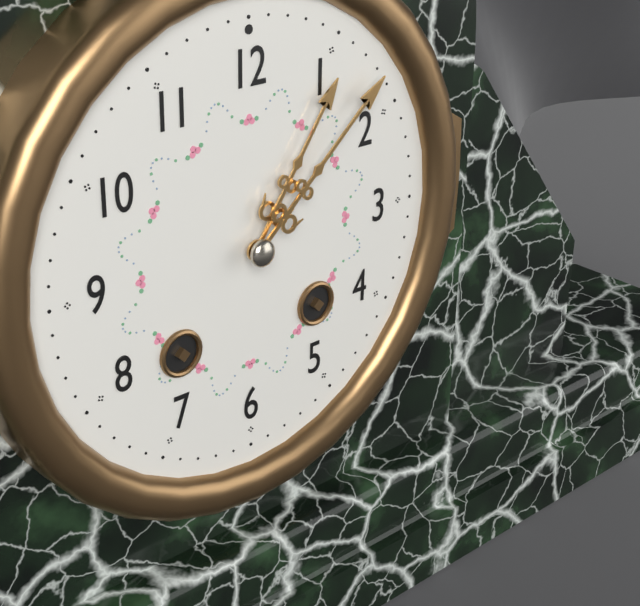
1:08
